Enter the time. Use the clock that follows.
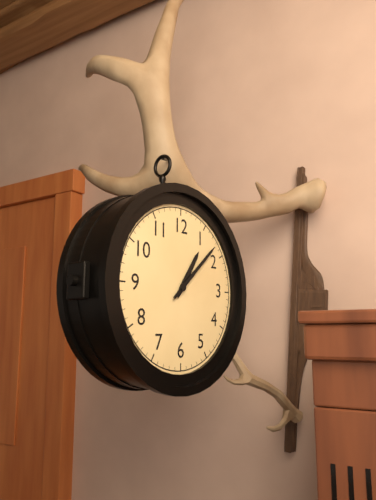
1:08
